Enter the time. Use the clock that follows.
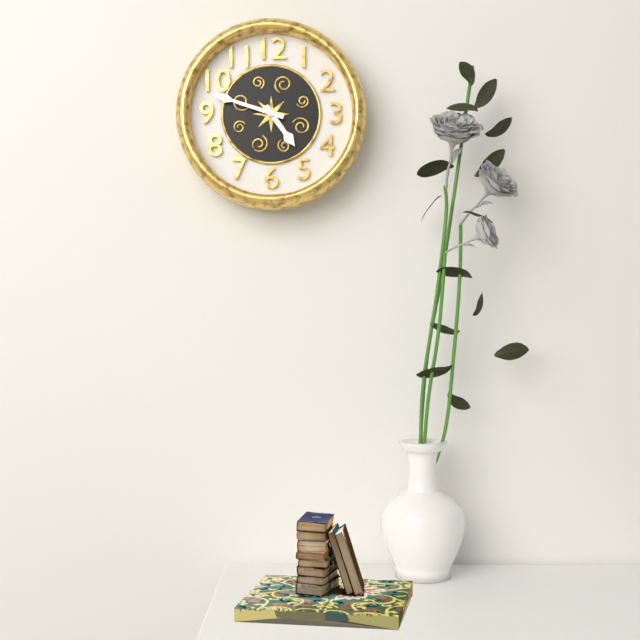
4:48
